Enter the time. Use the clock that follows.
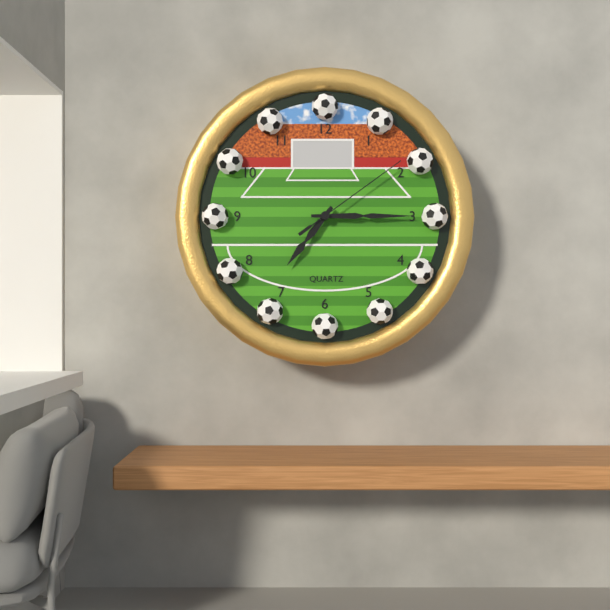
7:15:09
